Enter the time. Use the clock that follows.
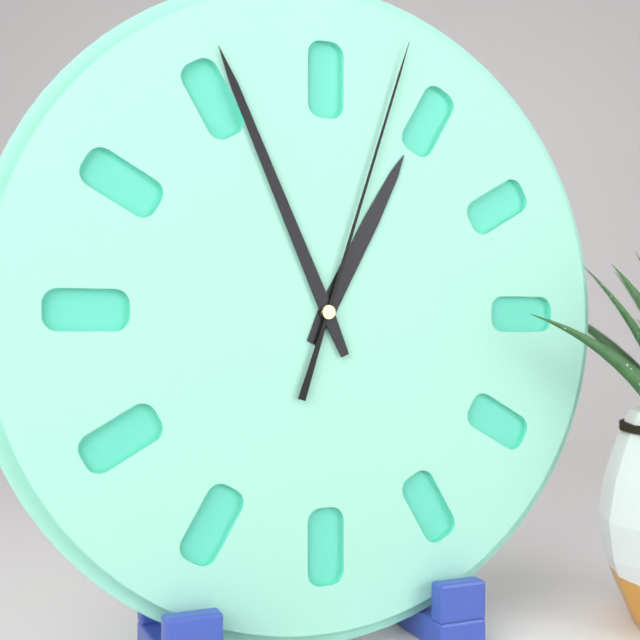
12:56:03
